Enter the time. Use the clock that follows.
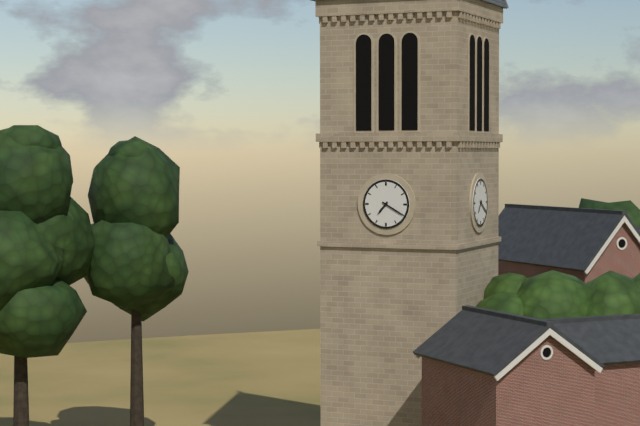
7:20
